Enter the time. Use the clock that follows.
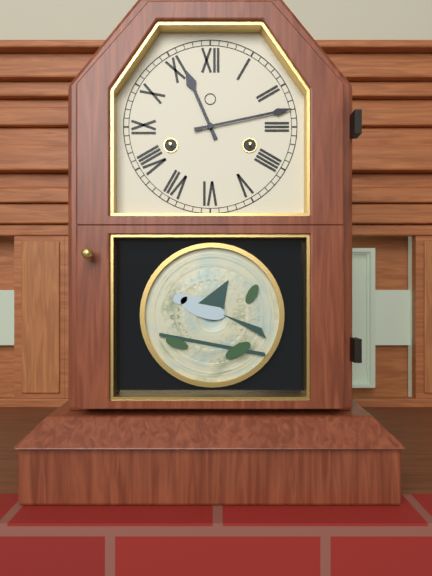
11:13
